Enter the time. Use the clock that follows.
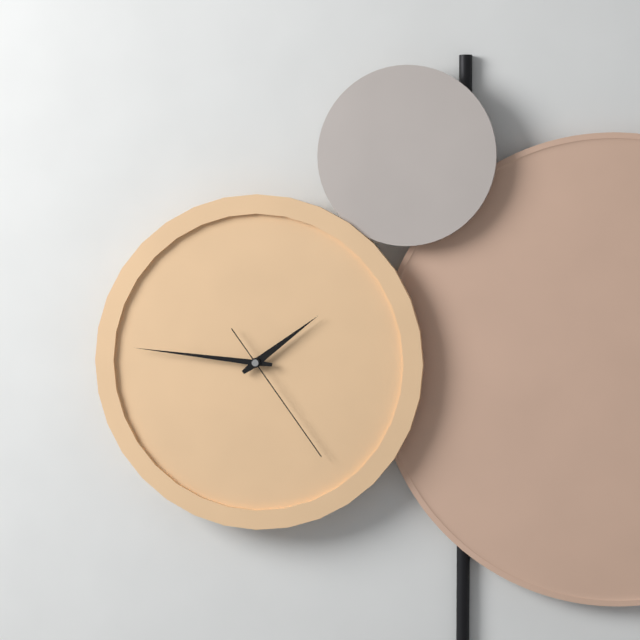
1:46:24
